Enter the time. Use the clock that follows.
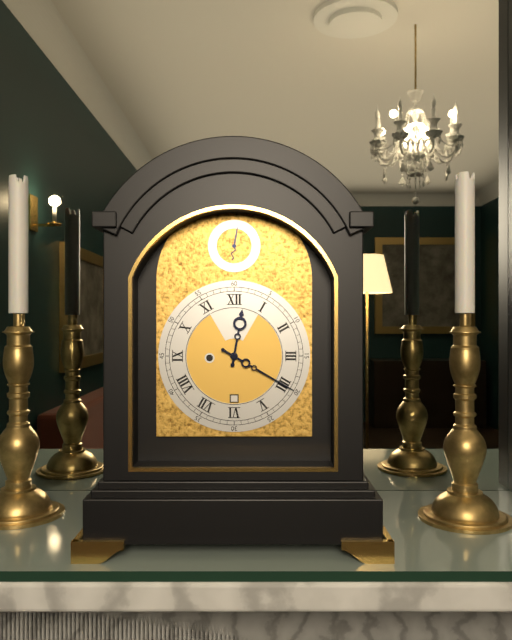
12:20
